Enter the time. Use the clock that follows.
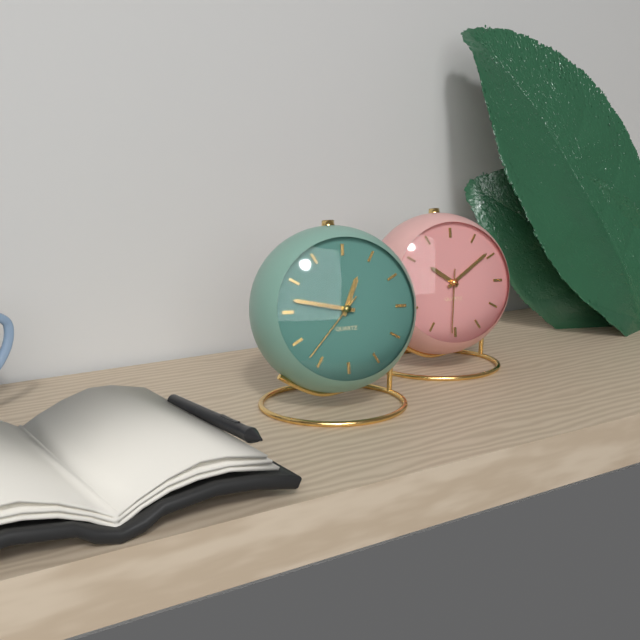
12:47:37
